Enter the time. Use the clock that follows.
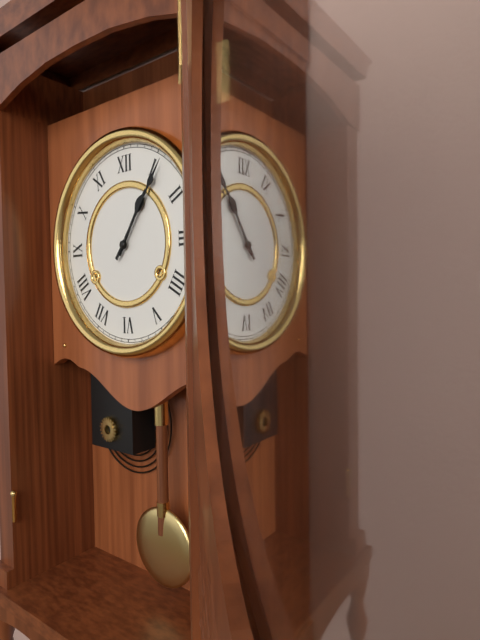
1:06
